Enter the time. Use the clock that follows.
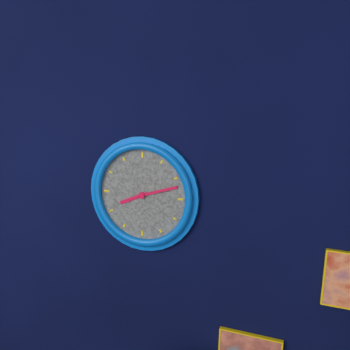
8:12
